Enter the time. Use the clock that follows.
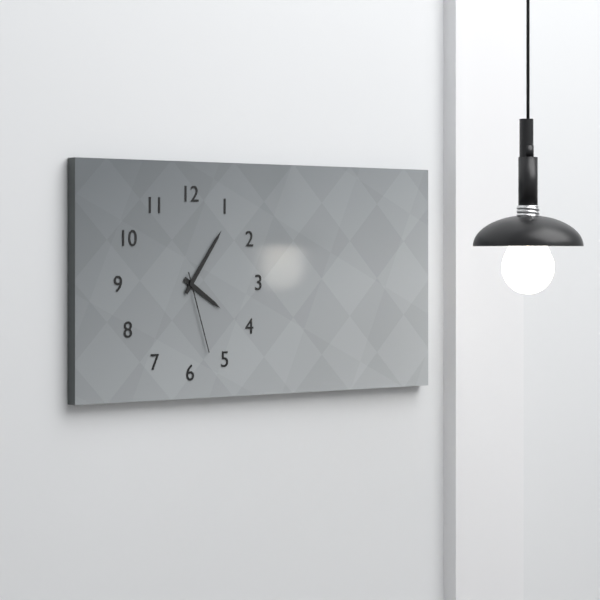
4:06:27
